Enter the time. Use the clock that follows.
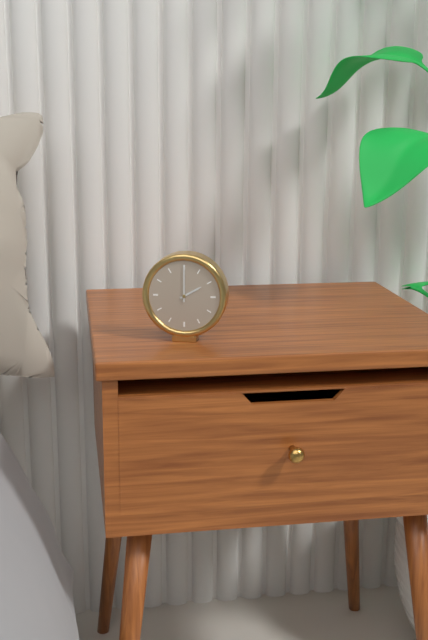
2:00
